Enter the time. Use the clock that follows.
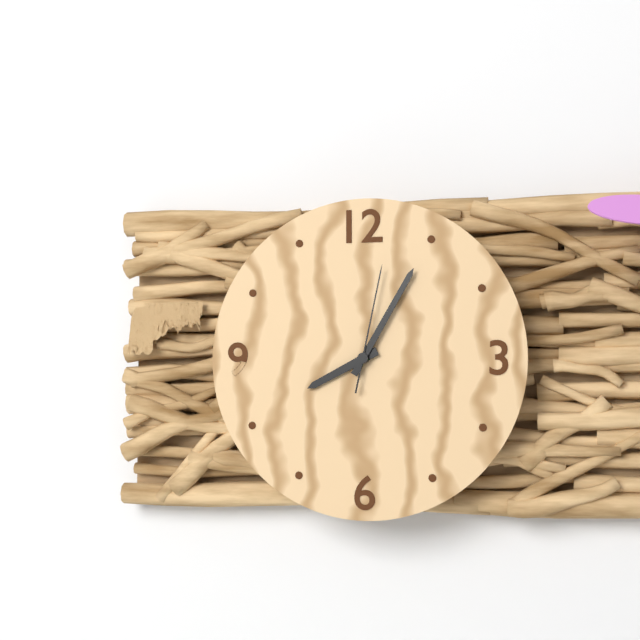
8:05:02
